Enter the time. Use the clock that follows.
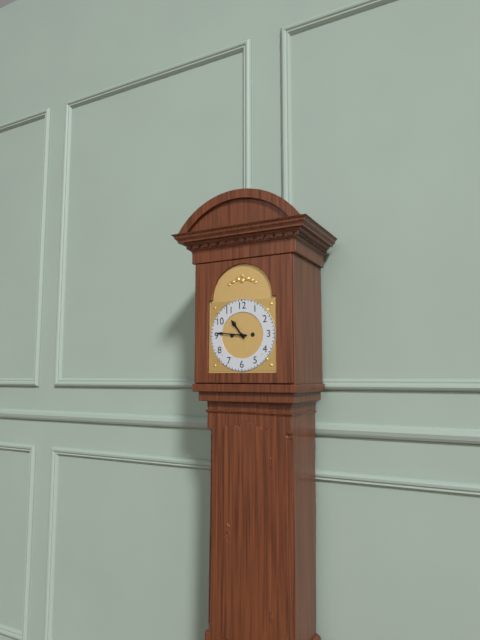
10:46
